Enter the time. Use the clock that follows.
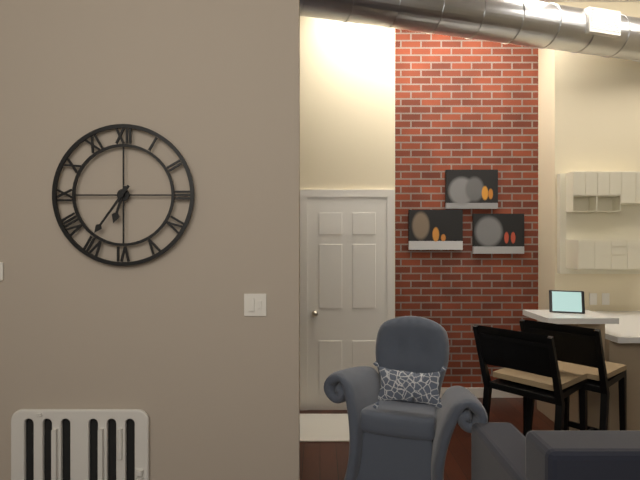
6:36
